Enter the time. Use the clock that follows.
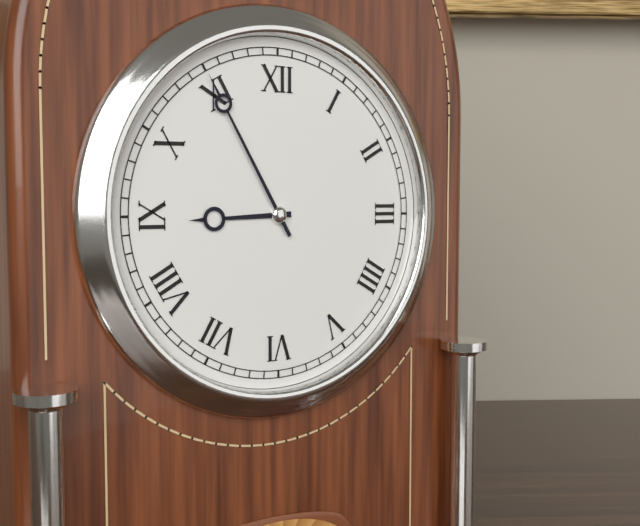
8:55
